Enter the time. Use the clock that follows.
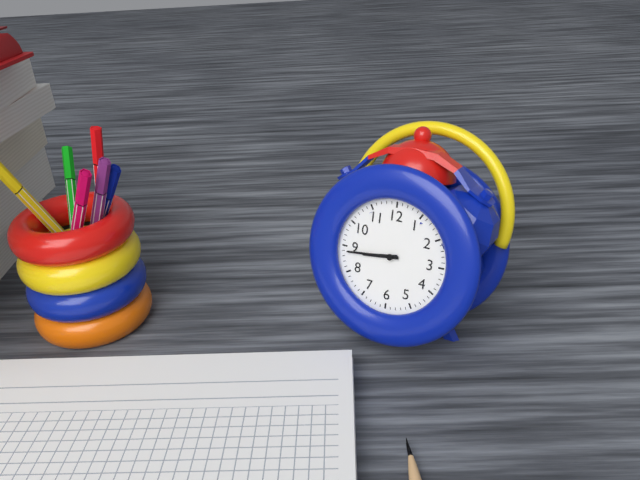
8:44
